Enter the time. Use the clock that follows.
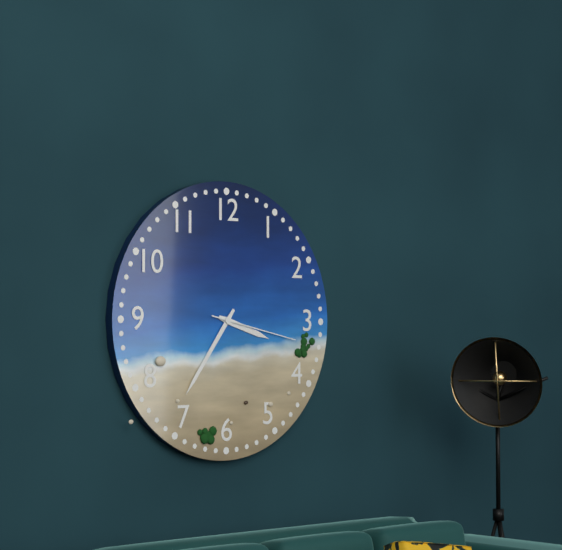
3:36:17
